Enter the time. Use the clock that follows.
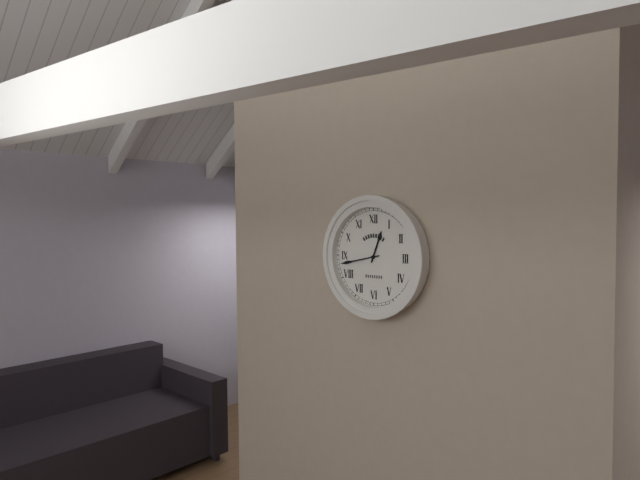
12:43
